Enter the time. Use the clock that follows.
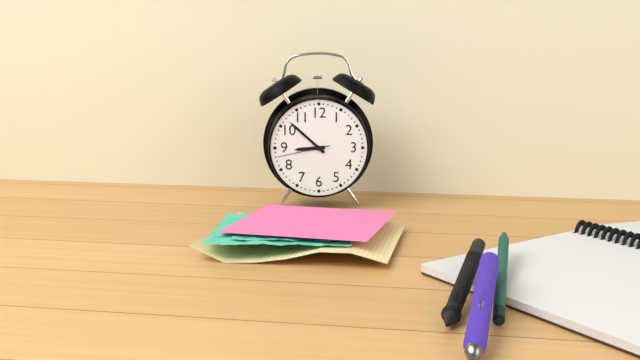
8:52:43
